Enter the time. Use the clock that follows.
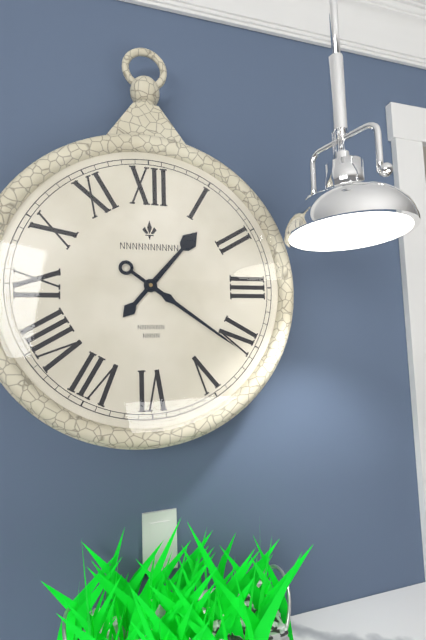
1:21
